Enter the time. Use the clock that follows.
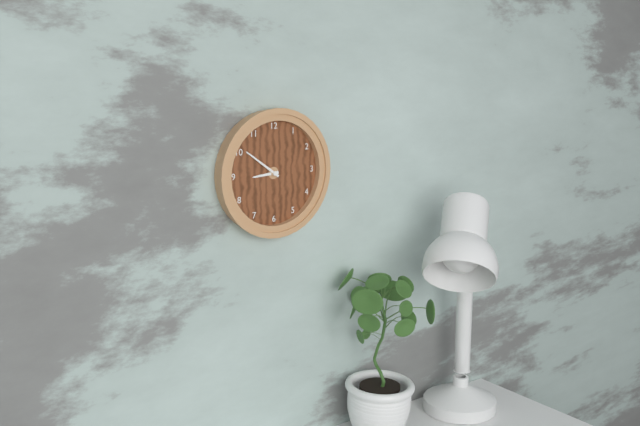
8:51
